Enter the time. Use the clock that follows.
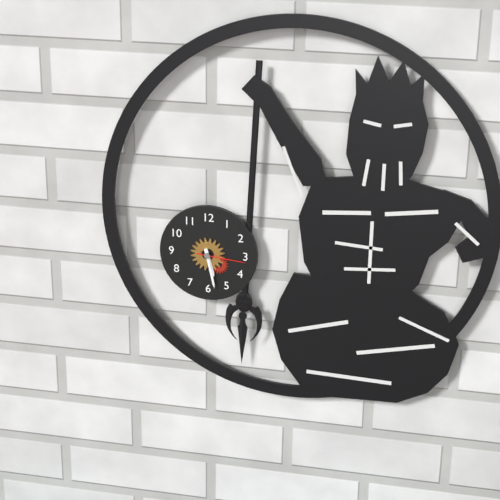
5:28
